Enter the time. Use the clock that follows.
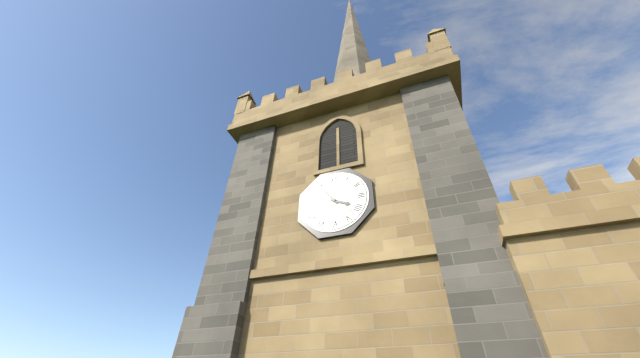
3:54
